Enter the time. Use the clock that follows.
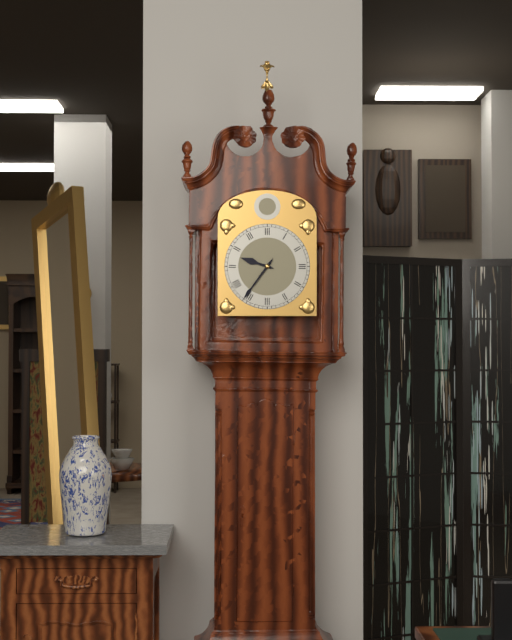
9:36
